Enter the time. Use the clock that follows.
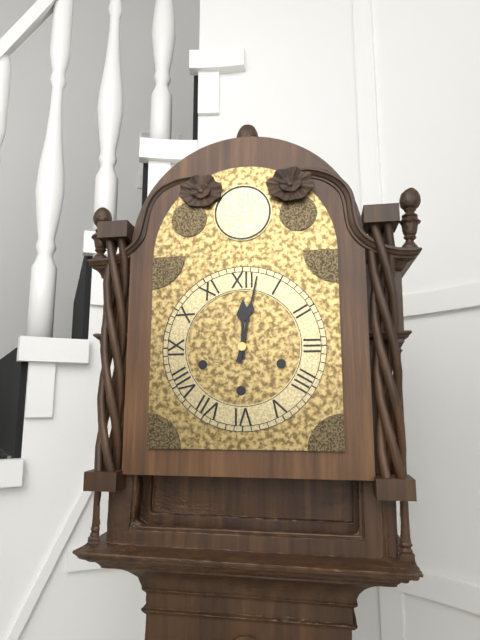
12:02
